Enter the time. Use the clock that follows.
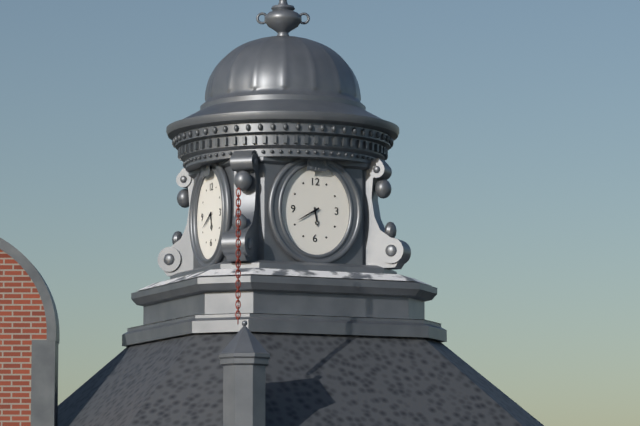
5:40
